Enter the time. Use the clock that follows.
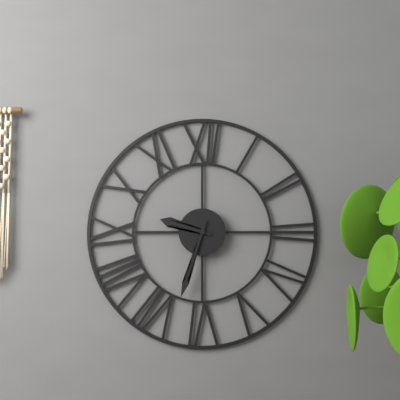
9:33
